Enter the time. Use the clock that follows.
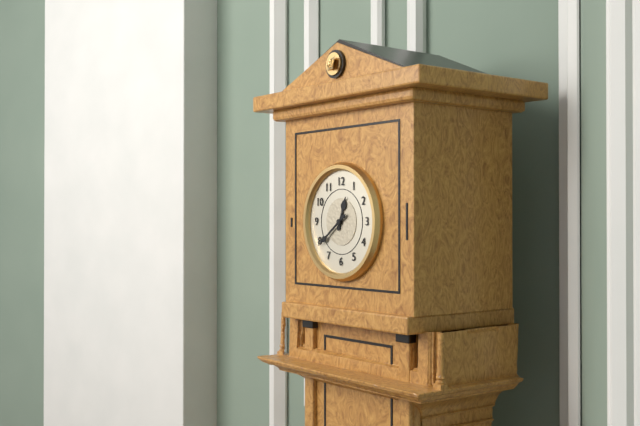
12:39
